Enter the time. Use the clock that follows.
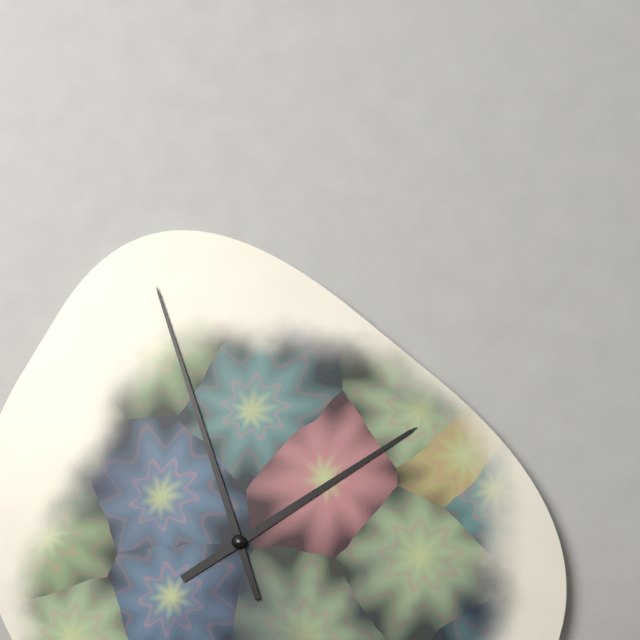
1:57
